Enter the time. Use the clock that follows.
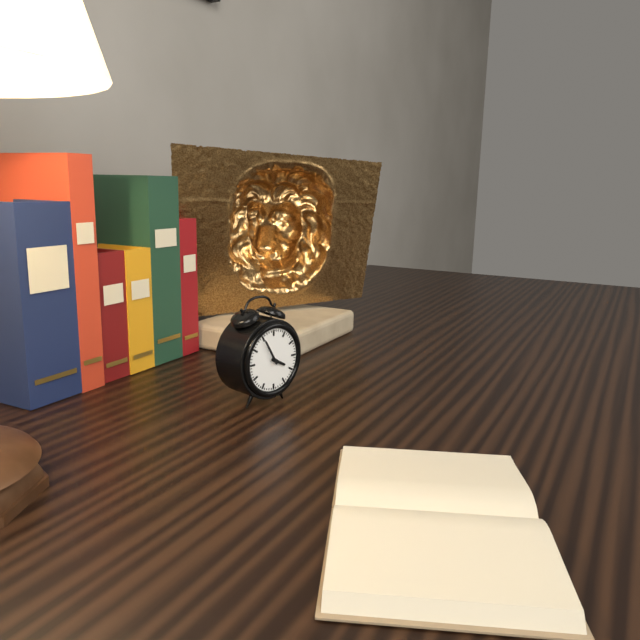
3:55
